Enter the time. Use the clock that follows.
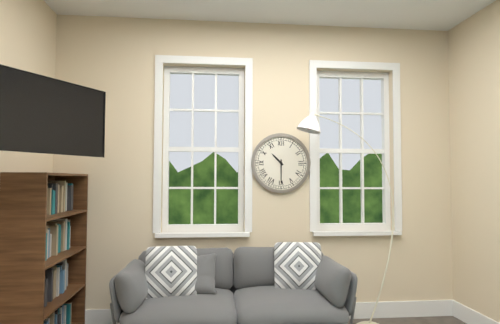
10:30
